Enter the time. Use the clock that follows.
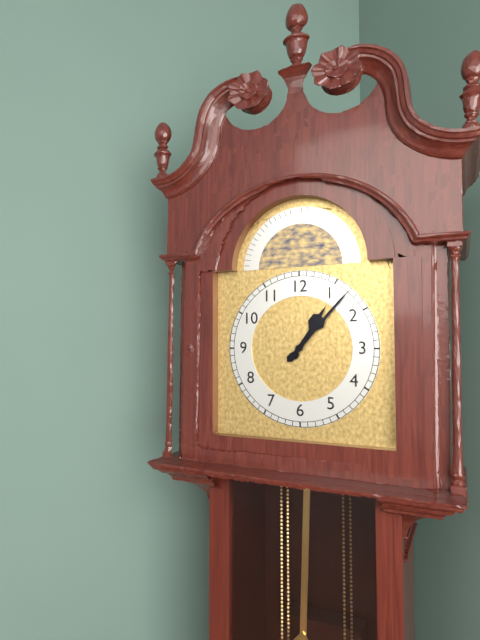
1:07
